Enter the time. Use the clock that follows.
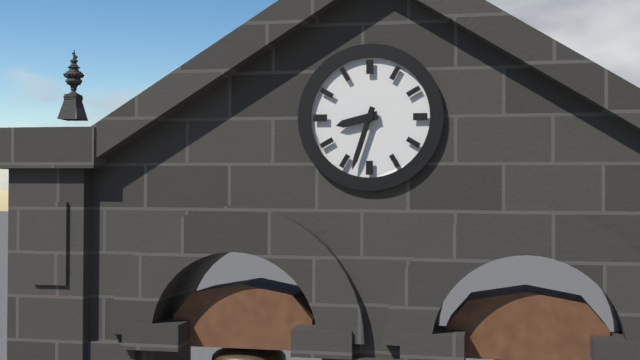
8:33
